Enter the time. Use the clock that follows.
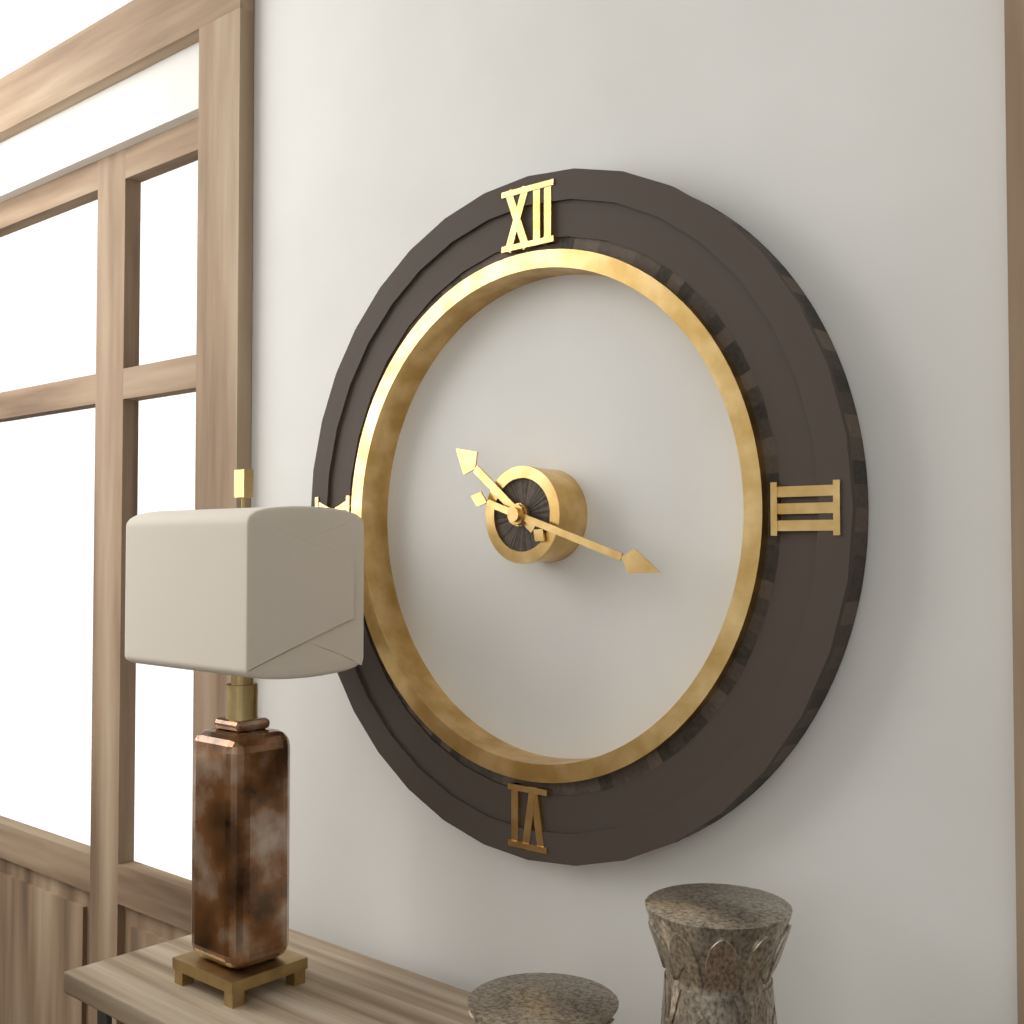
10:18
